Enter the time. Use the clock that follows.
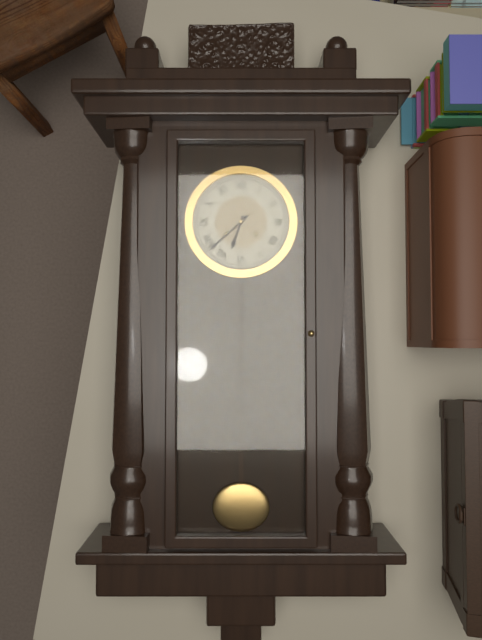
6:38
